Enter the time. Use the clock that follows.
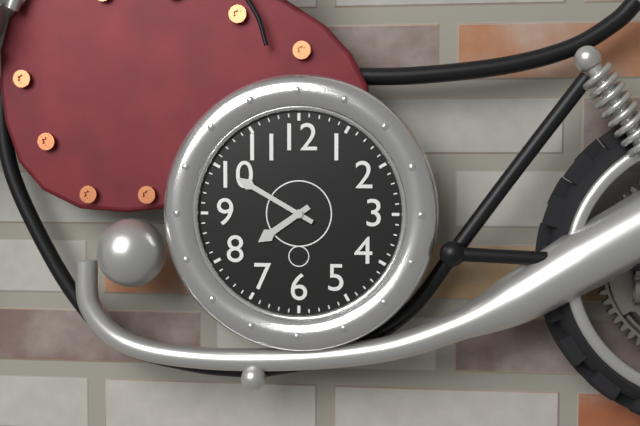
7:50
